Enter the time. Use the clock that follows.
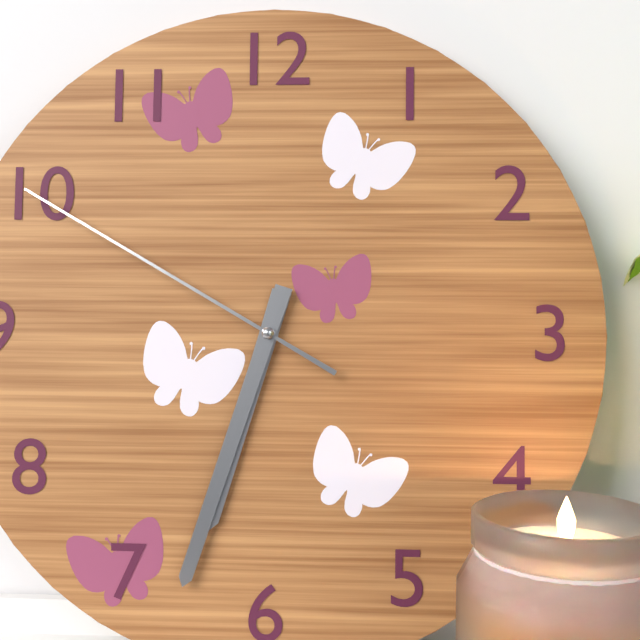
6:33:50
